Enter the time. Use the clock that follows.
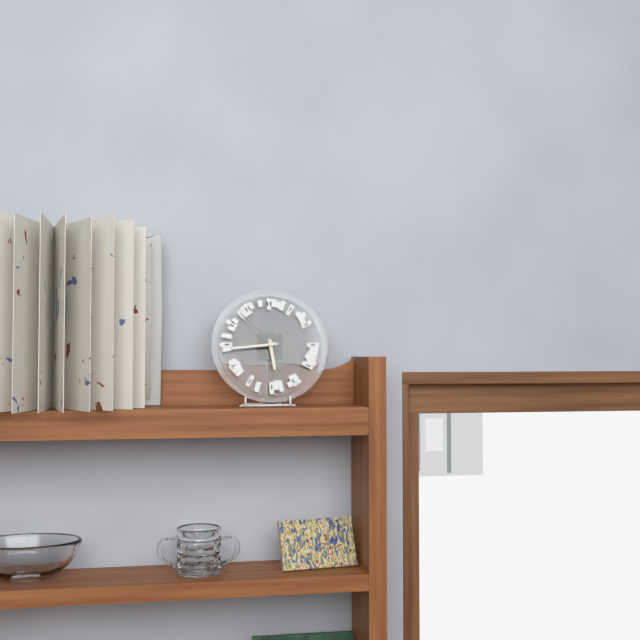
5:44:53
